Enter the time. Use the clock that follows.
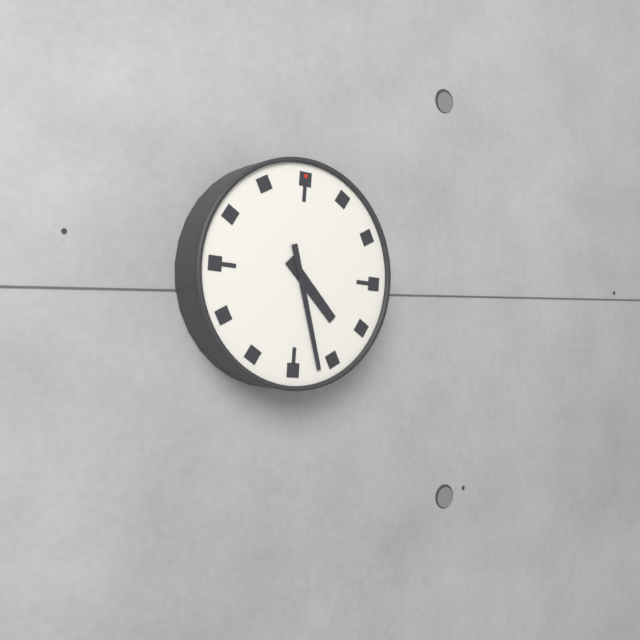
4:27
